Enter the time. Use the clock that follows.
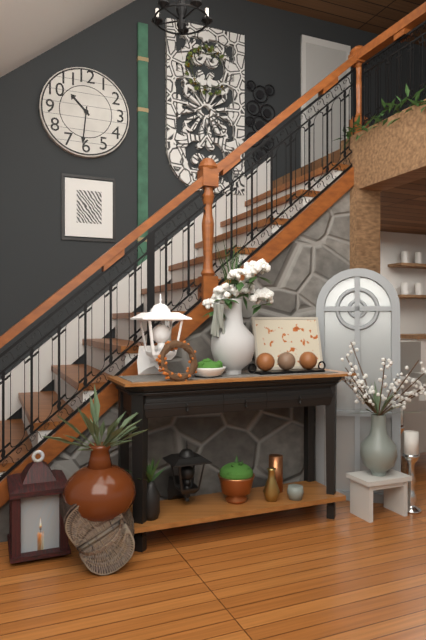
10:31
